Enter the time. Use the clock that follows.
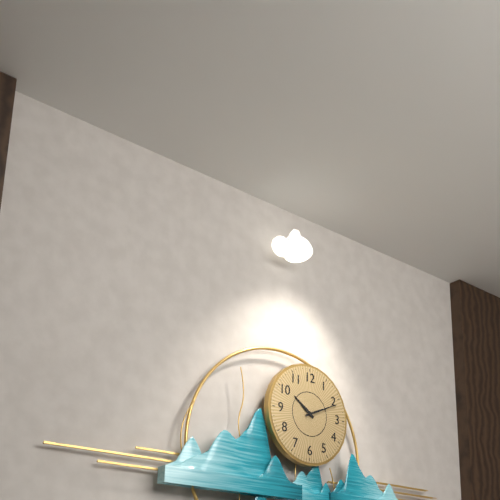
10:11
